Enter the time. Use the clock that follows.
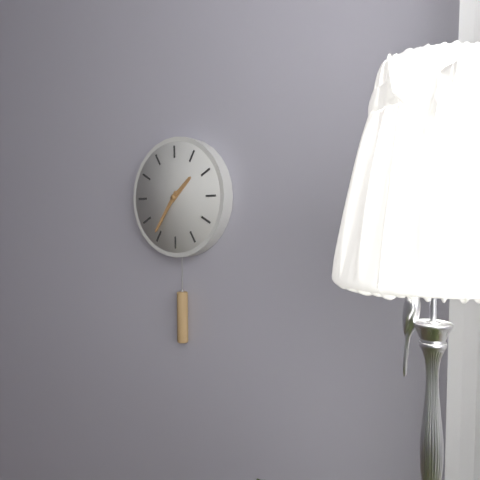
1:36
